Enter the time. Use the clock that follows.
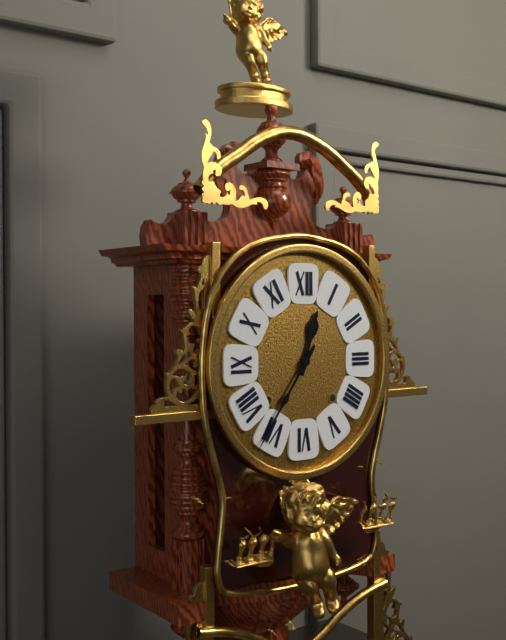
12:36
